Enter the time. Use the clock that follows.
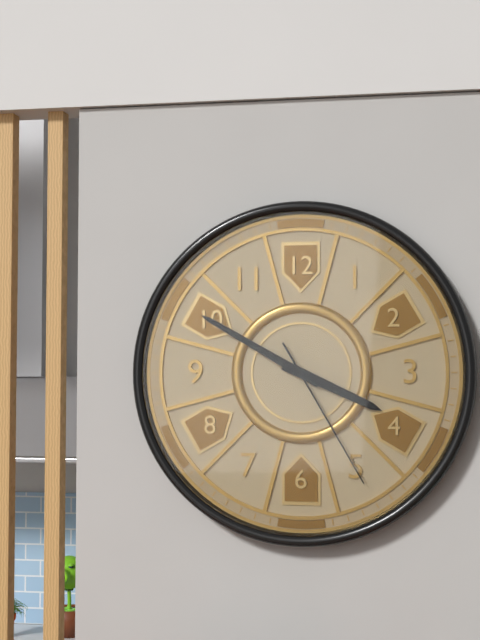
3:50:25
